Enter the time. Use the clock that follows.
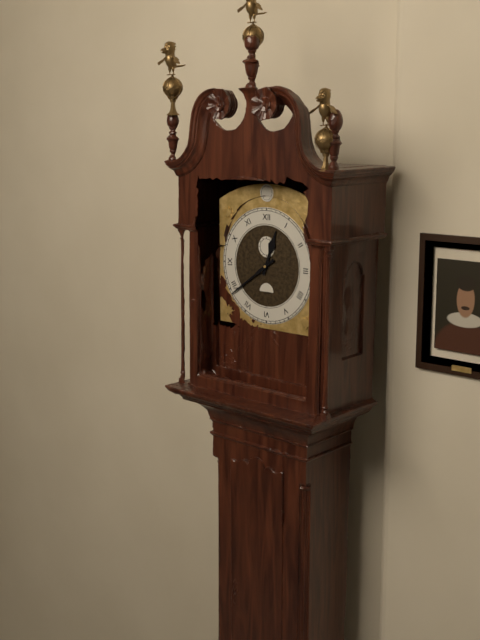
12:39
